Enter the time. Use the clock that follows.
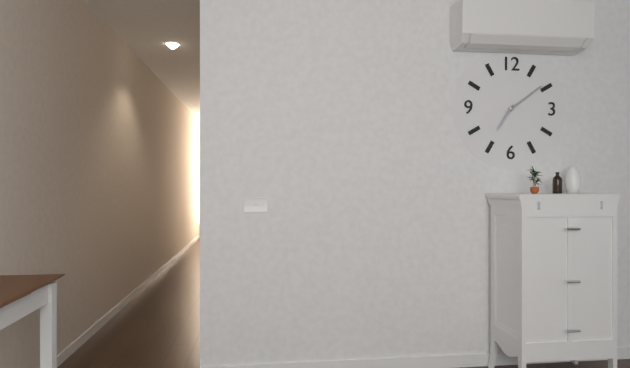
7:09
